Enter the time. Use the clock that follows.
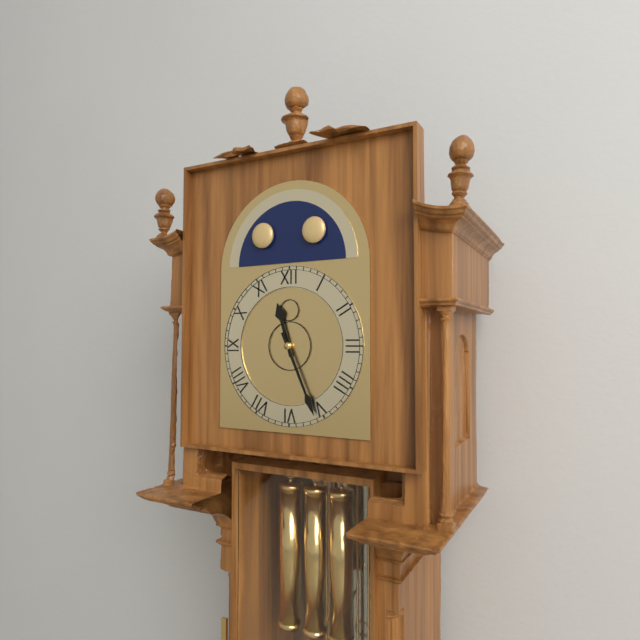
11:26
